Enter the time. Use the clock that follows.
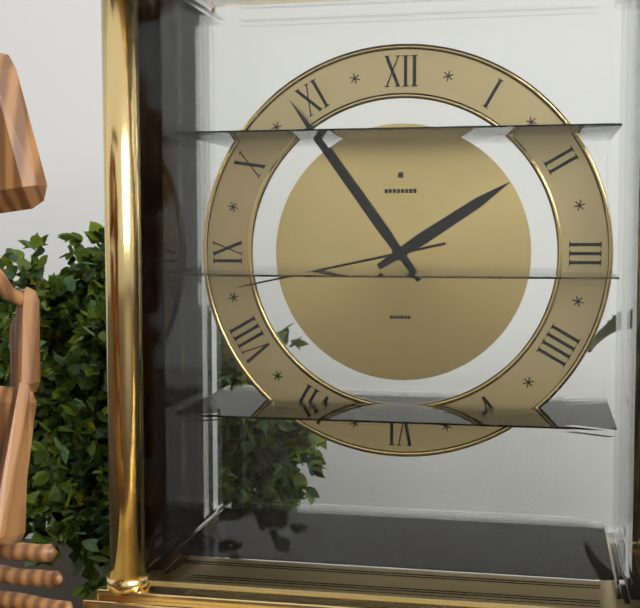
1:54:43
